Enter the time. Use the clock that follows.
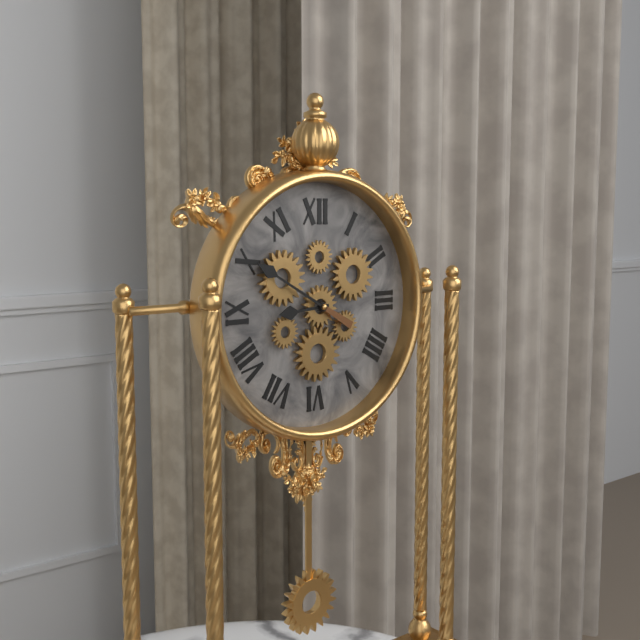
8:50
